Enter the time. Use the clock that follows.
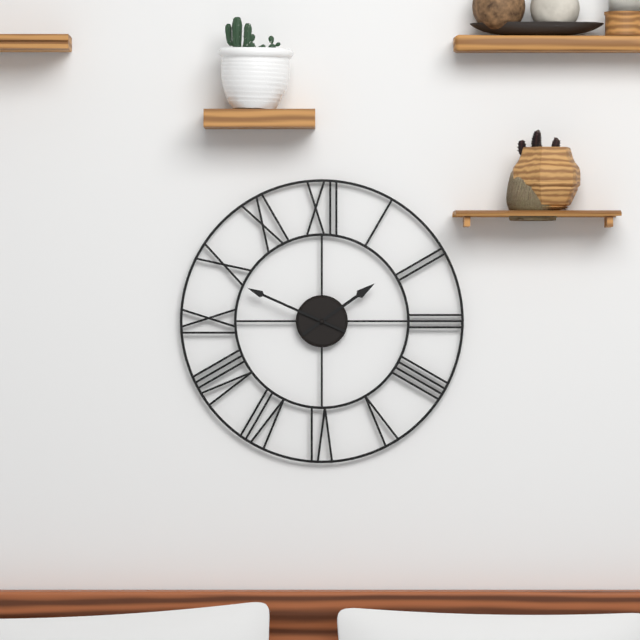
1:49
